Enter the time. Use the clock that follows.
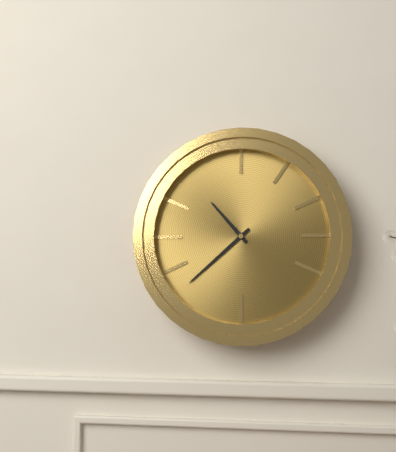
10:38
